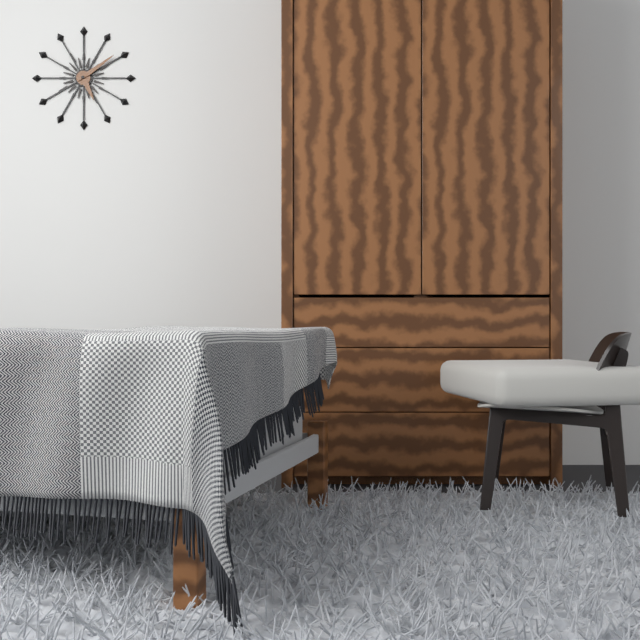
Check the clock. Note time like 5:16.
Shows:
5:09
